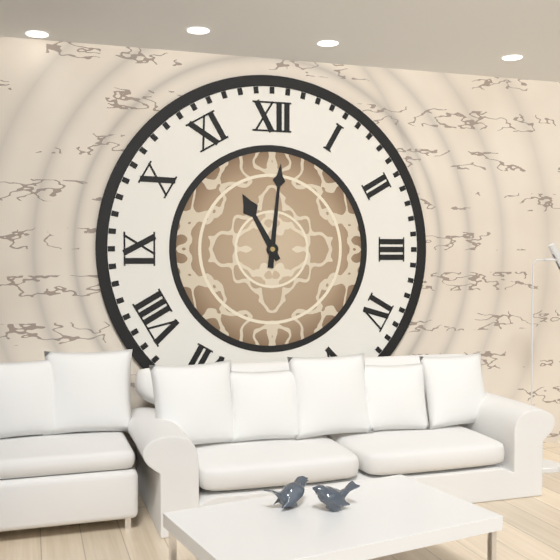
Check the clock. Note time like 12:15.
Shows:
11:01
